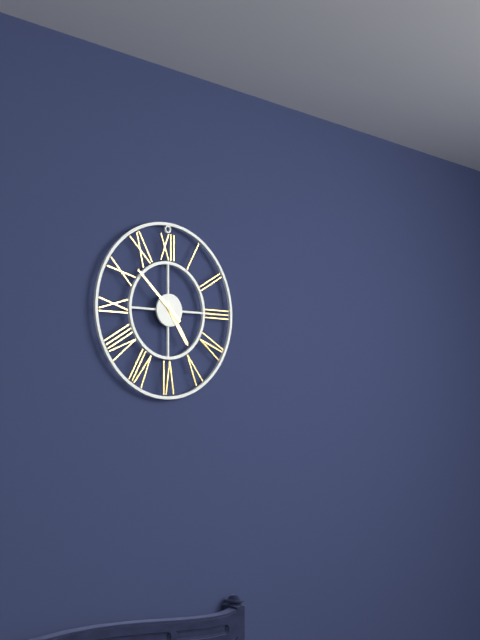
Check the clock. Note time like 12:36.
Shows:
4:52
